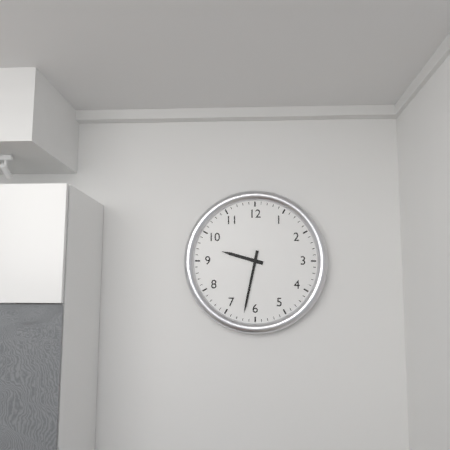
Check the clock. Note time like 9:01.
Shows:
9:32
